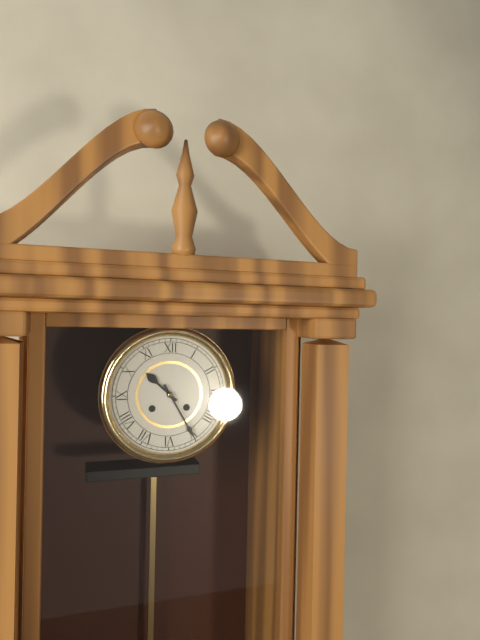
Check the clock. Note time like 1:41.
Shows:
10:25
